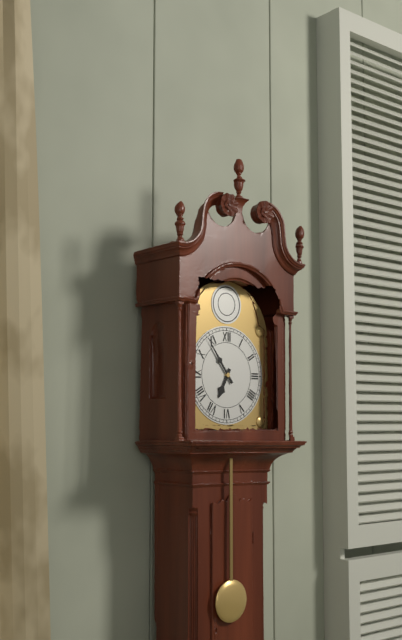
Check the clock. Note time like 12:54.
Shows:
6:54
